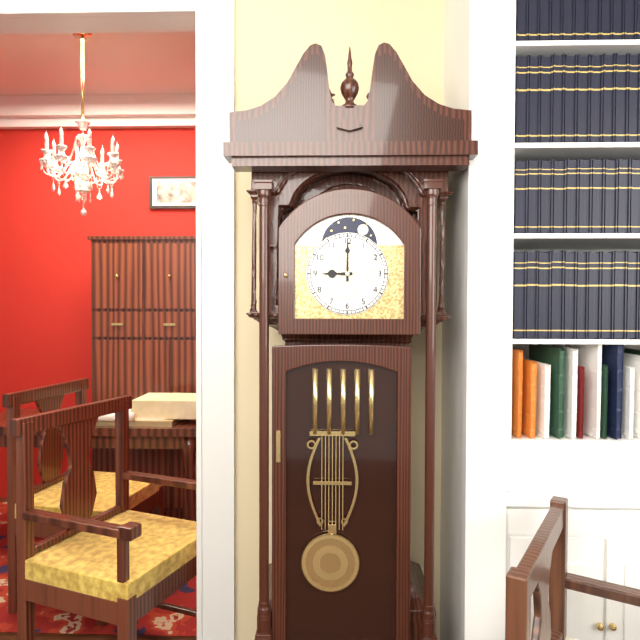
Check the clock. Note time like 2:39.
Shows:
9:00
